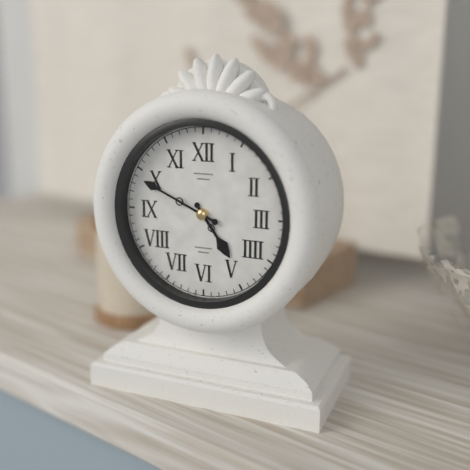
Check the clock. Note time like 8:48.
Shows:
4:49
